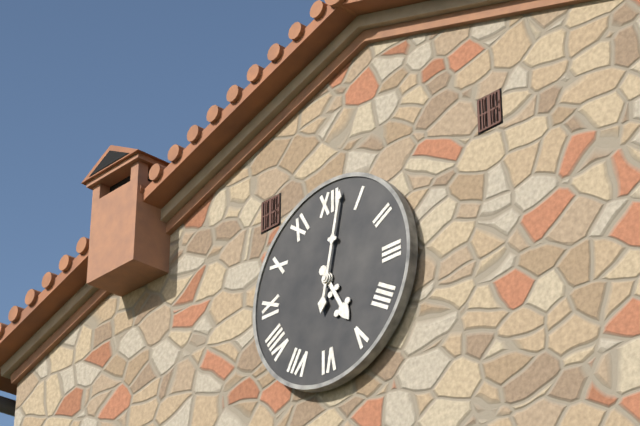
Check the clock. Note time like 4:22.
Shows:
5:02
